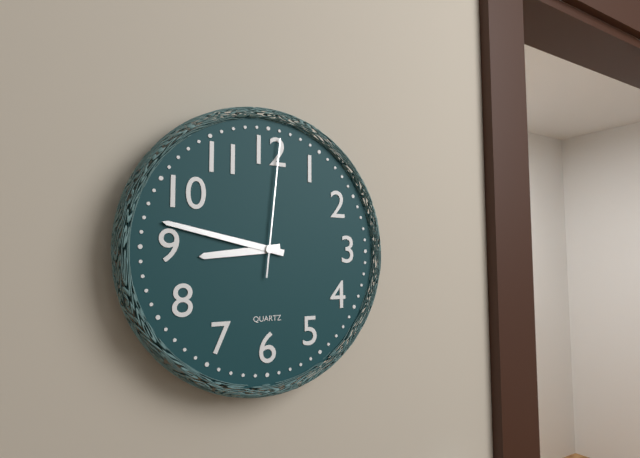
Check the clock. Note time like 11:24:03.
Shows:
8:47:01
